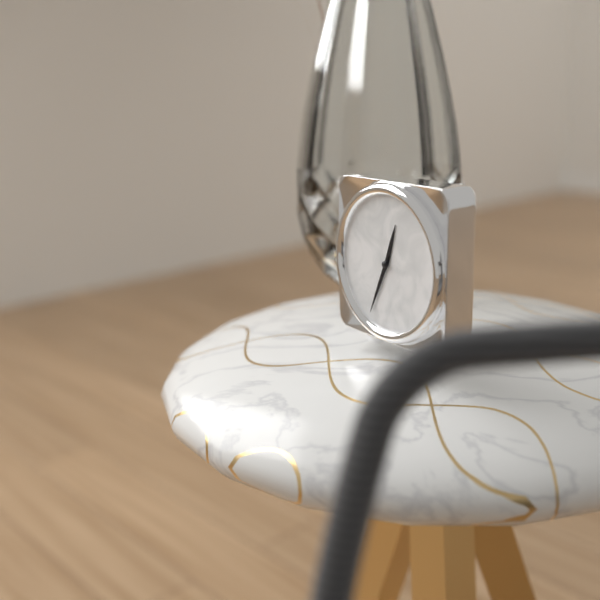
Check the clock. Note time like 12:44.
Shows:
12:34
